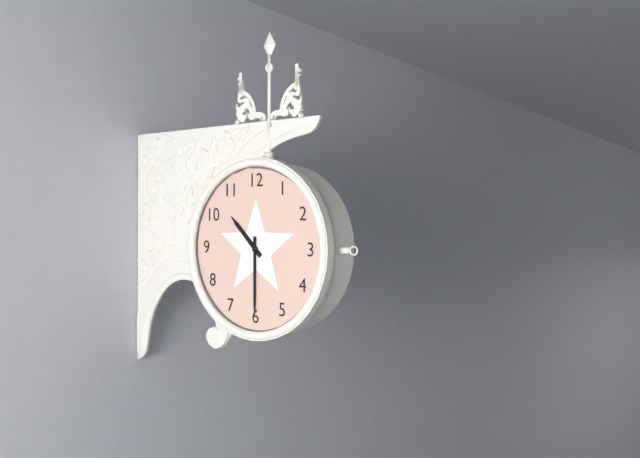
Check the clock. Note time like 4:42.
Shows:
10:30
